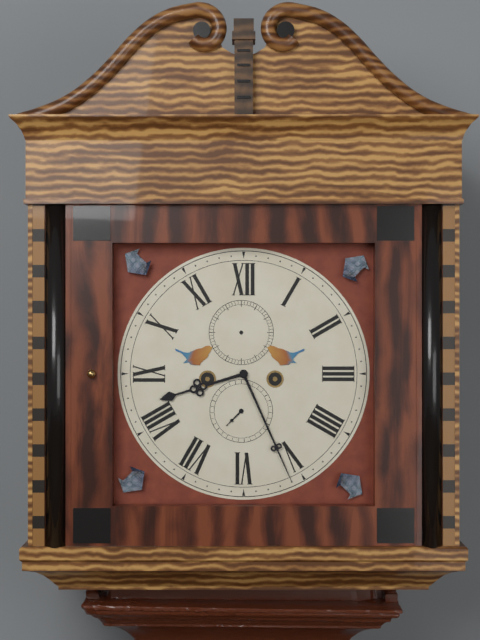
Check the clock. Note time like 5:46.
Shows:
8:26
